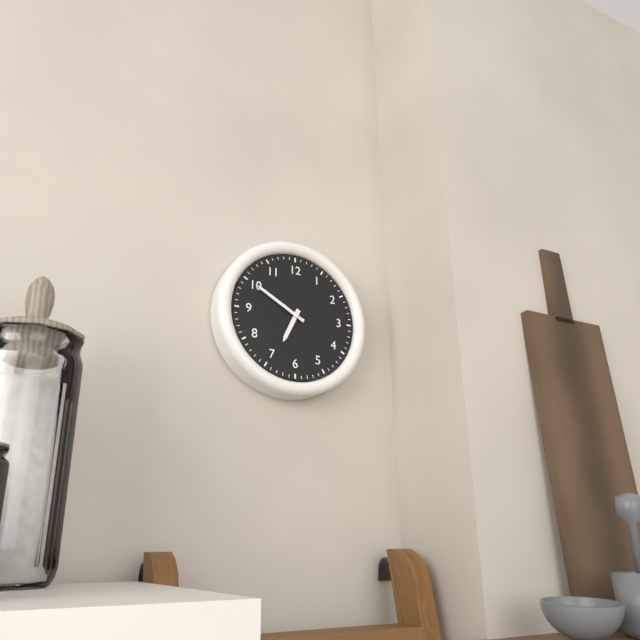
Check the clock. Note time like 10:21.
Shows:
6:50
